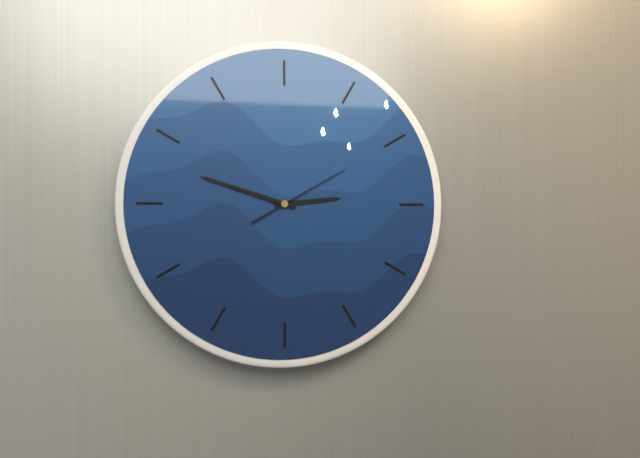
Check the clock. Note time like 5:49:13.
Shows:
2:48:10
